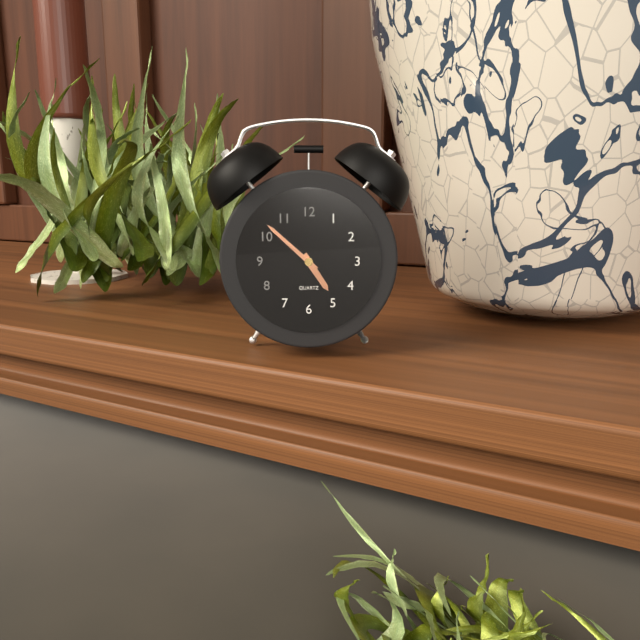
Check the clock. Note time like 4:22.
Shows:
4:52
